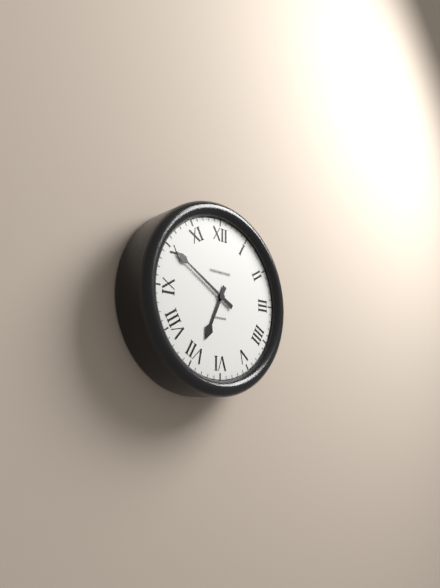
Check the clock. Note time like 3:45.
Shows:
6:50
